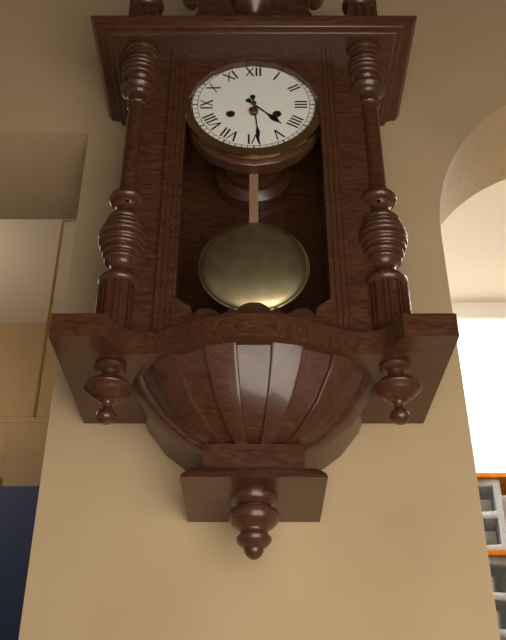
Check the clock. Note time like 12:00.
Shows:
4:29
